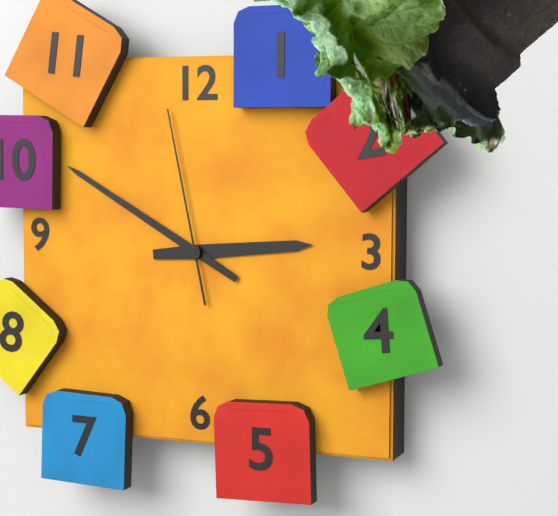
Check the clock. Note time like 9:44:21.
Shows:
2:50:58
